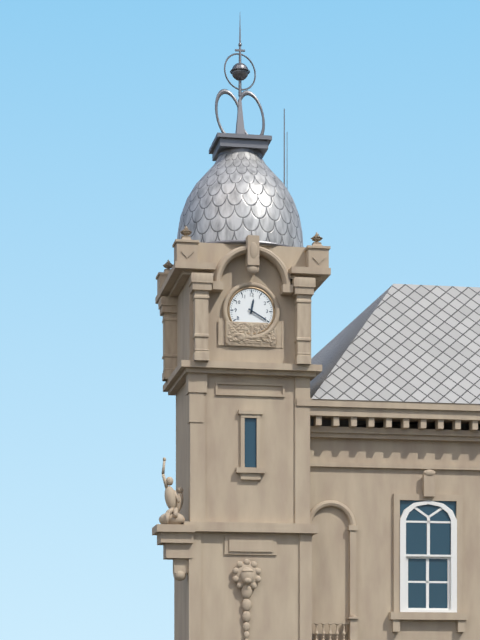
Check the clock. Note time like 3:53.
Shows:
12:20
